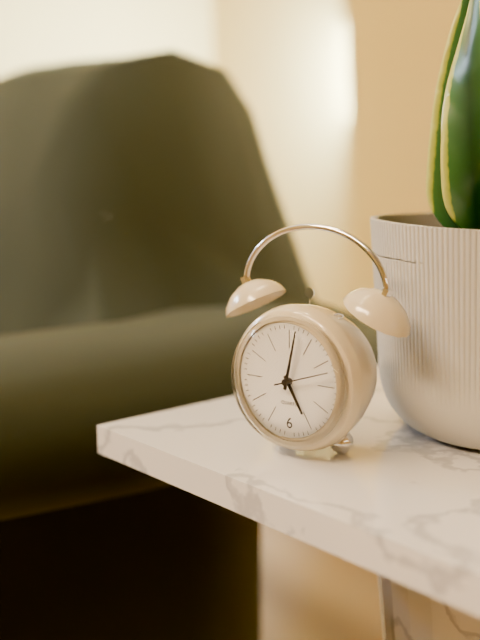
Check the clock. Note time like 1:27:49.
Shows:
5:02:12
